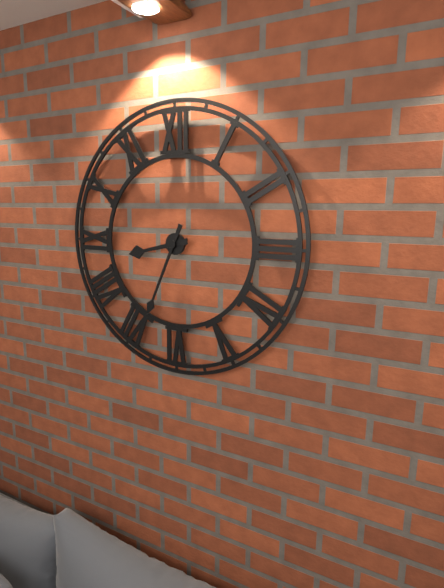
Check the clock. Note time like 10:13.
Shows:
8:34
